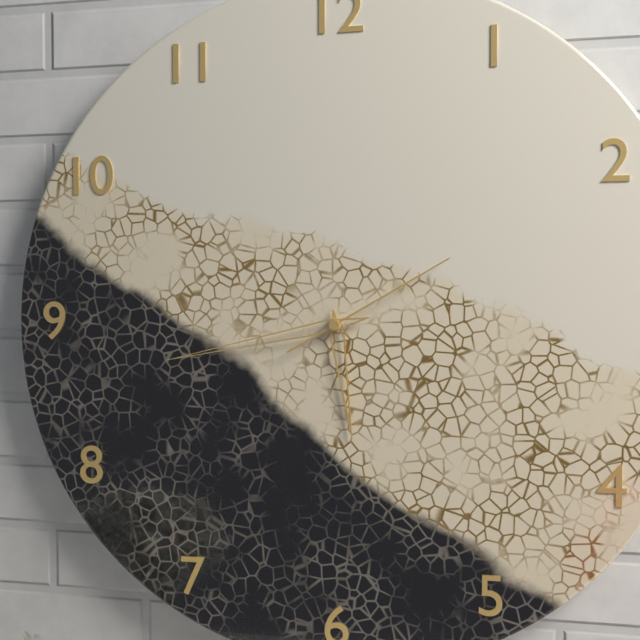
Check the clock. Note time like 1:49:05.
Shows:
5:43:10
